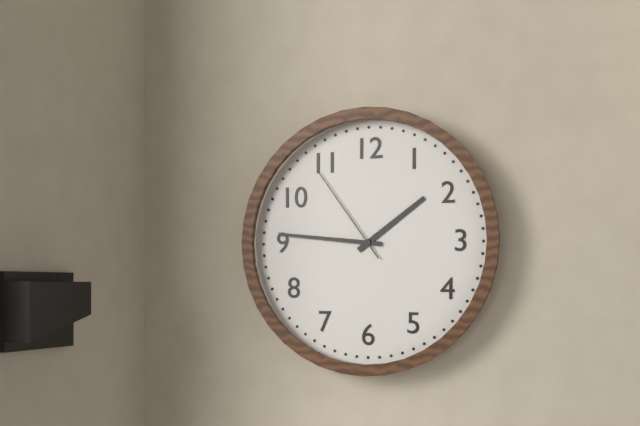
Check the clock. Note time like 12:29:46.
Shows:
1:46:54
